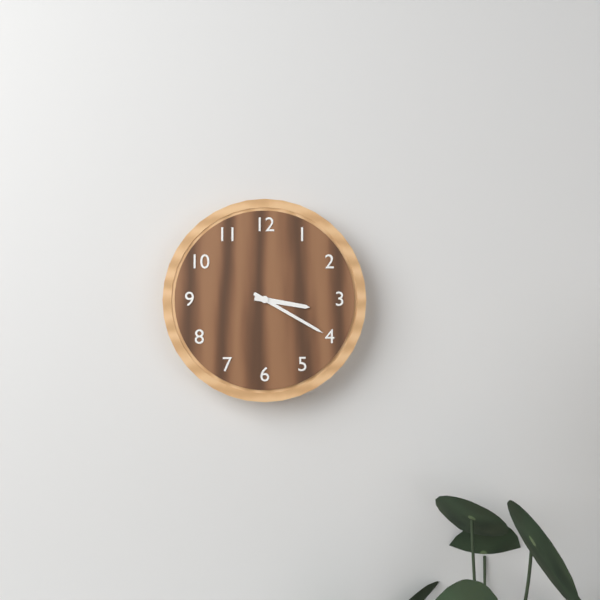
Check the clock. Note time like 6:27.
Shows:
3:20
